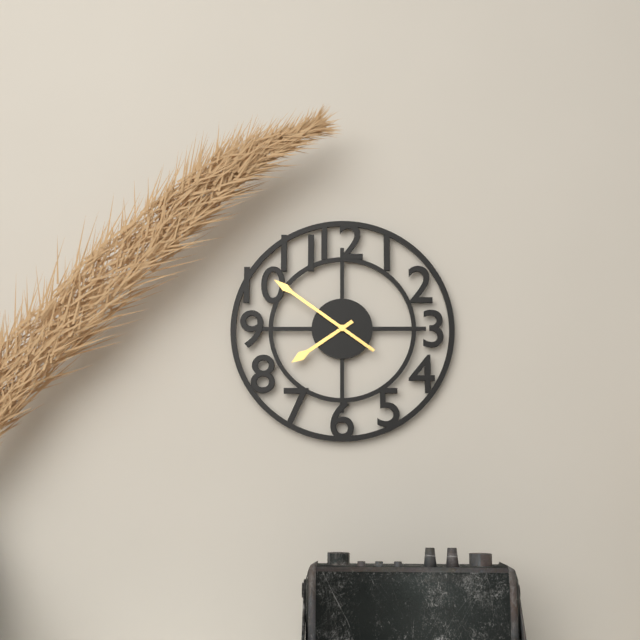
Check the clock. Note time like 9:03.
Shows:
7:51
